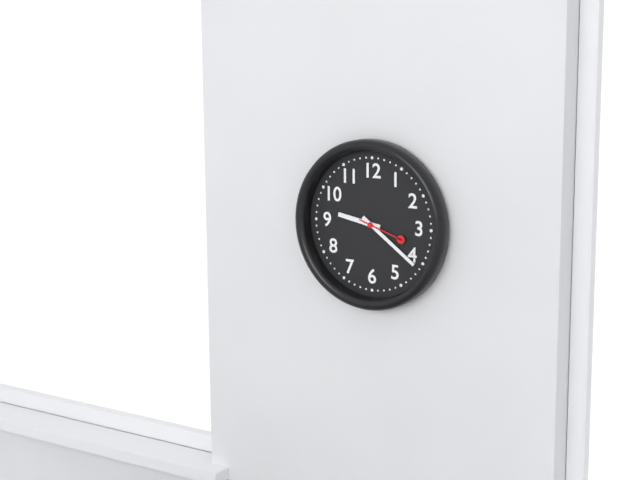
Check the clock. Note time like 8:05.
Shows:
9:21
